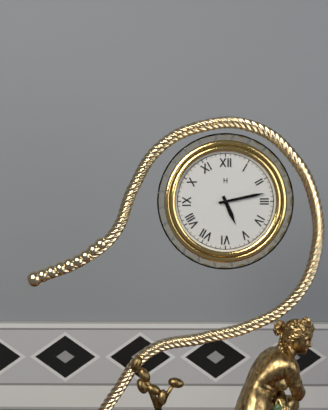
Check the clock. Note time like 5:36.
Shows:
5:13
